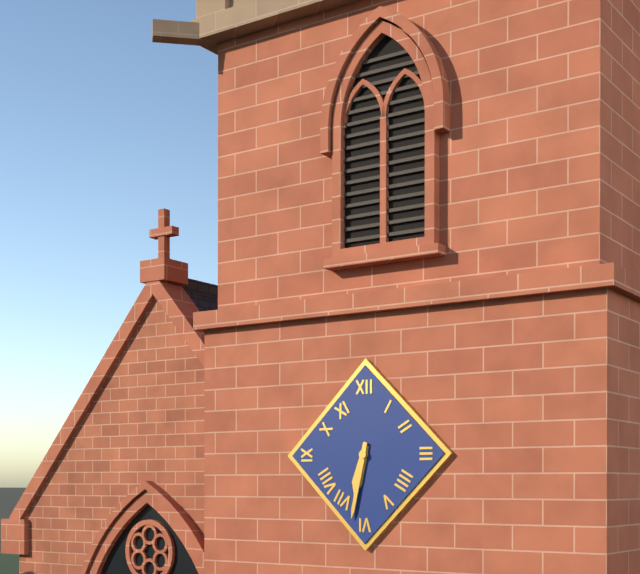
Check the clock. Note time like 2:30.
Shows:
6:32
